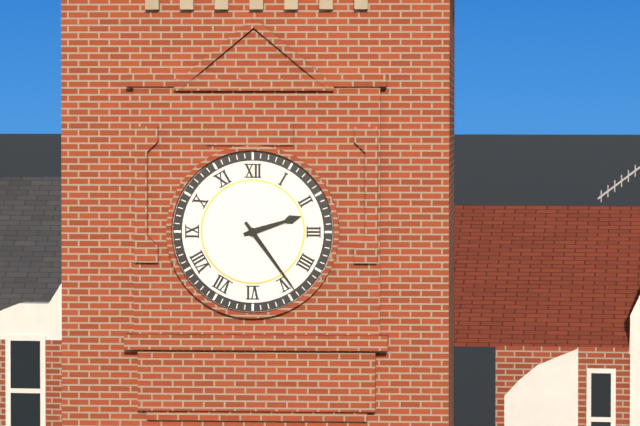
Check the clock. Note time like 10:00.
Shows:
2:24
